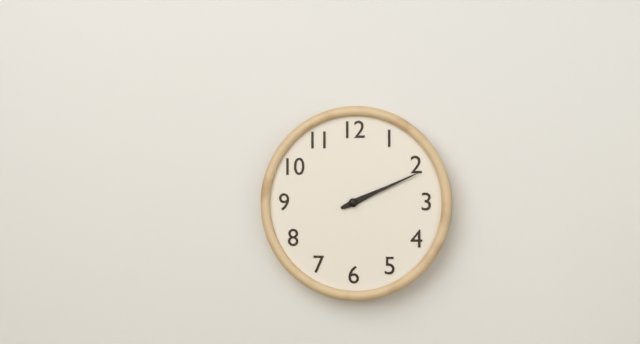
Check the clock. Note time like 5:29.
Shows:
2:11
